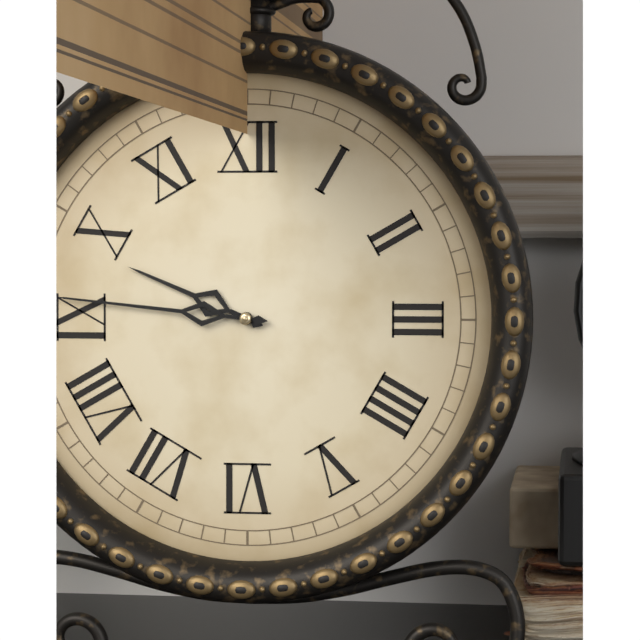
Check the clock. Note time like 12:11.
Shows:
9:46
